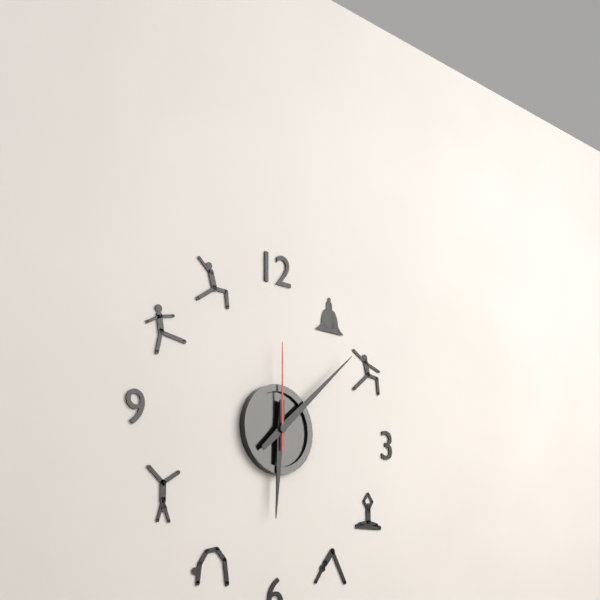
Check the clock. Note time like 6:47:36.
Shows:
6:08:00
